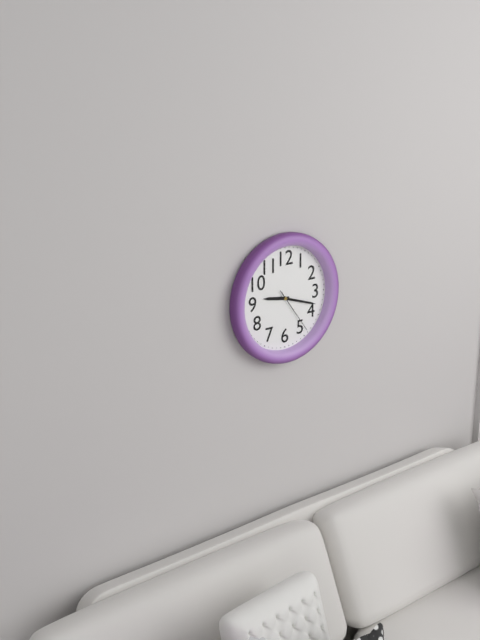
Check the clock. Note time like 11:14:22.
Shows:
9:18:24
